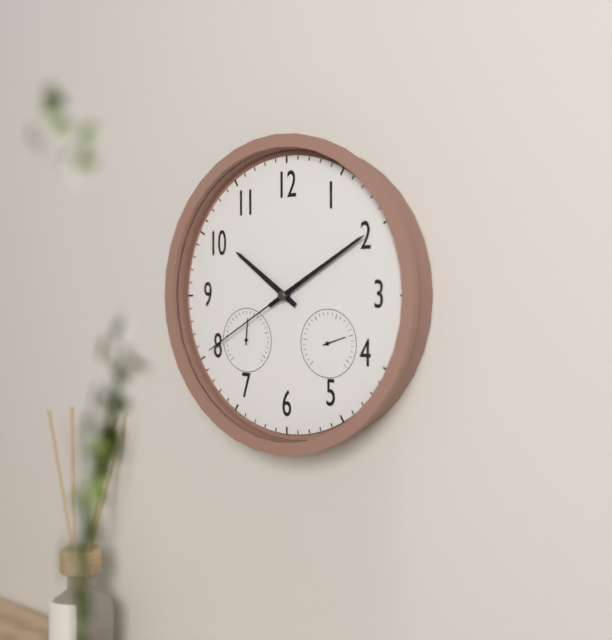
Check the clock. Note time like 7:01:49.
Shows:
10:10:40
